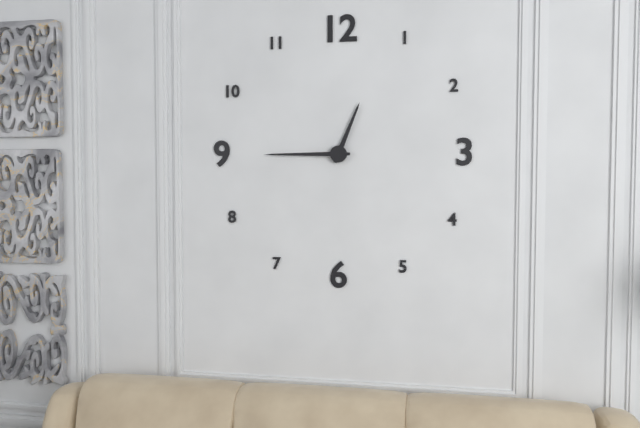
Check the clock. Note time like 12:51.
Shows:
12:45
